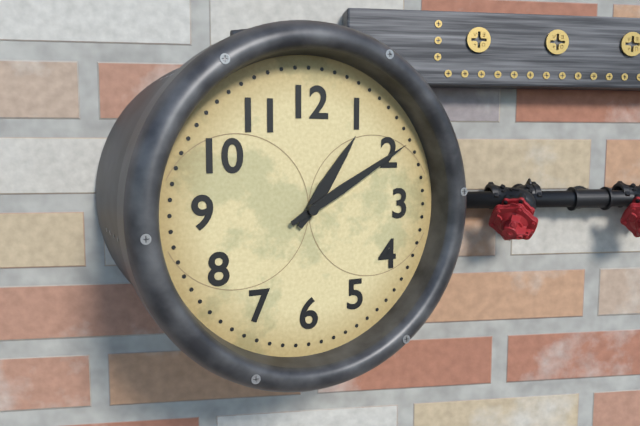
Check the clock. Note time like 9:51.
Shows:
1:10
